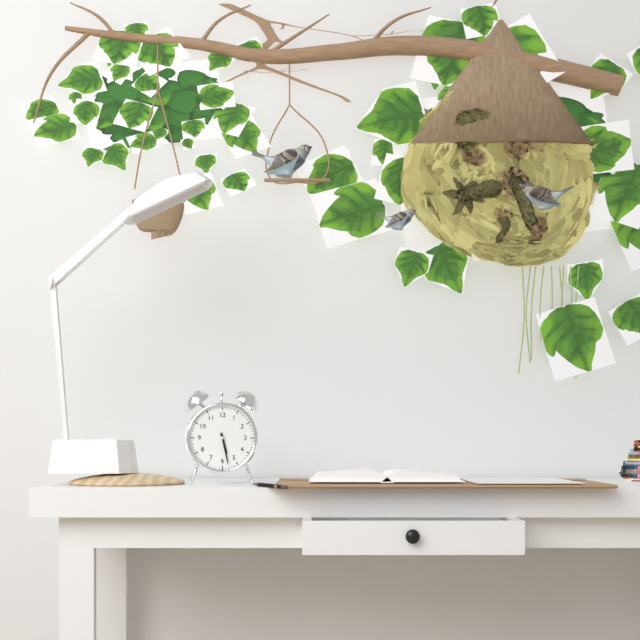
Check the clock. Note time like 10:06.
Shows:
5:28
